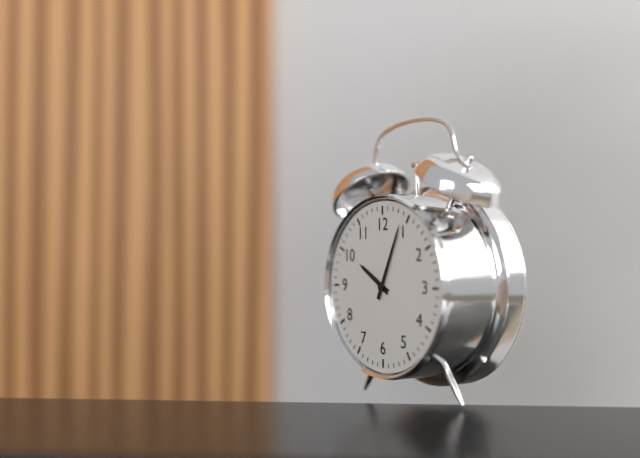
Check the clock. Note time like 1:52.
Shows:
10:04
